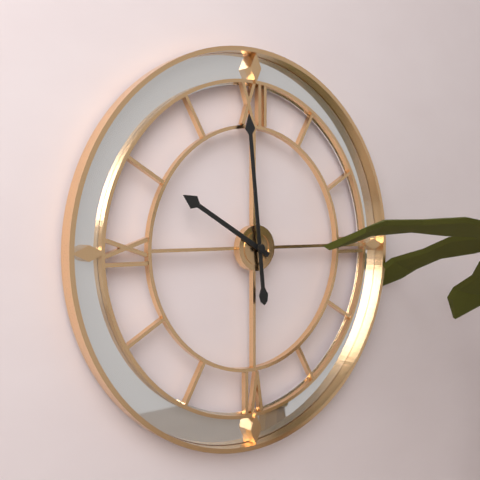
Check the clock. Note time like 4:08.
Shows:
9:59
